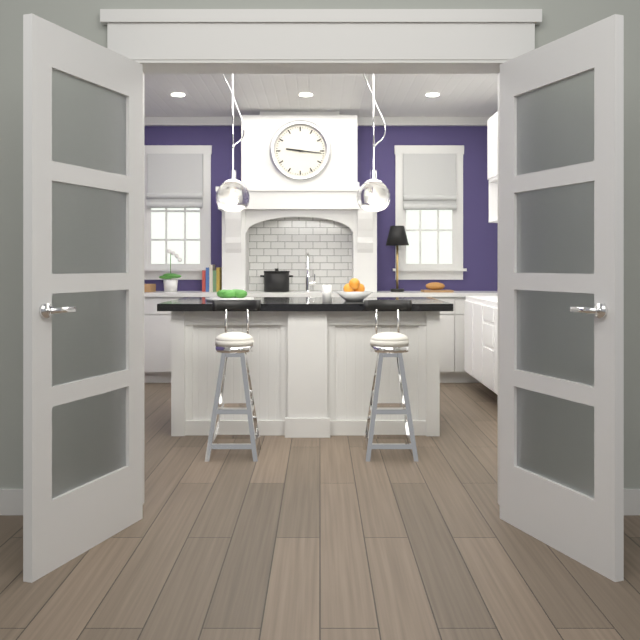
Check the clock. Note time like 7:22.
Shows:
9:16
